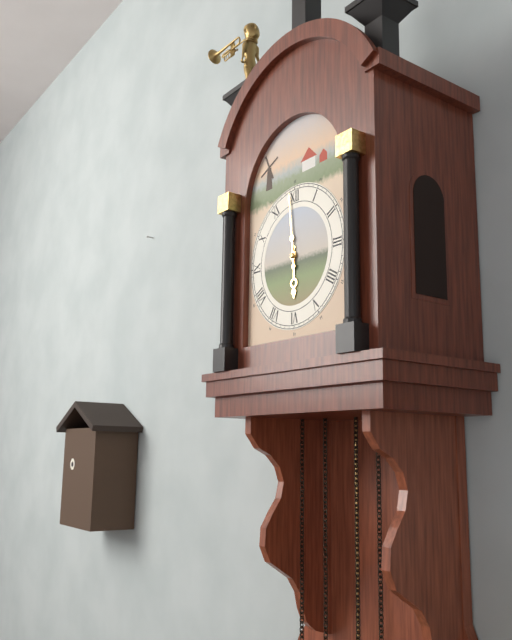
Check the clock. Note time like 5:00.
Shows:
5:59
